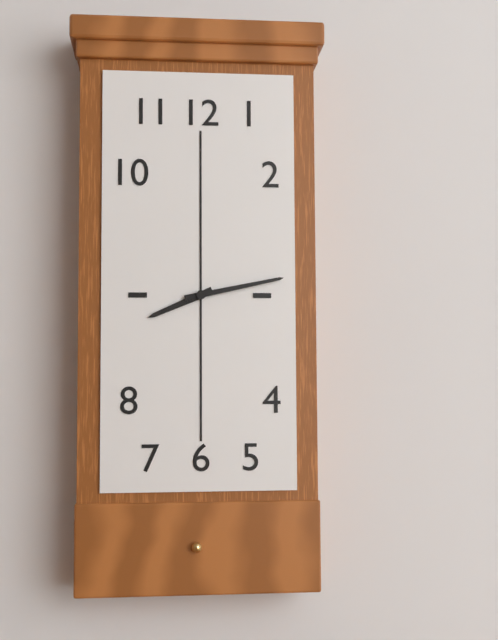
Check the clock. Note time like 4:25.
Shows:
8:13
